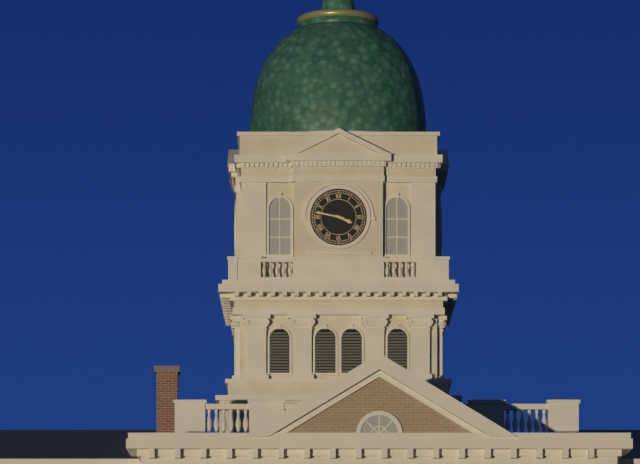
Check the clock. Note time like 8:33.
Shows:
3:47
